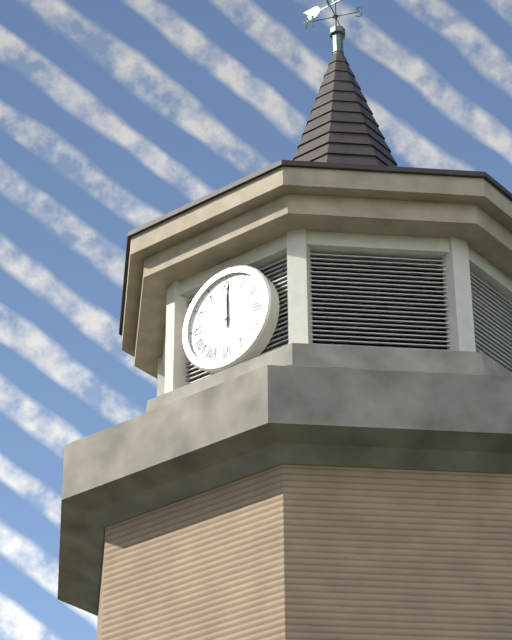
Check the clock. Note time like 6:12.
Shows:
12:00
